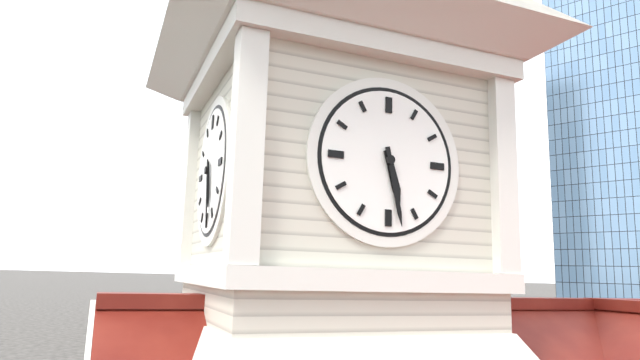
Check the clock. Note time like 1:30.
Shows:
5:28
